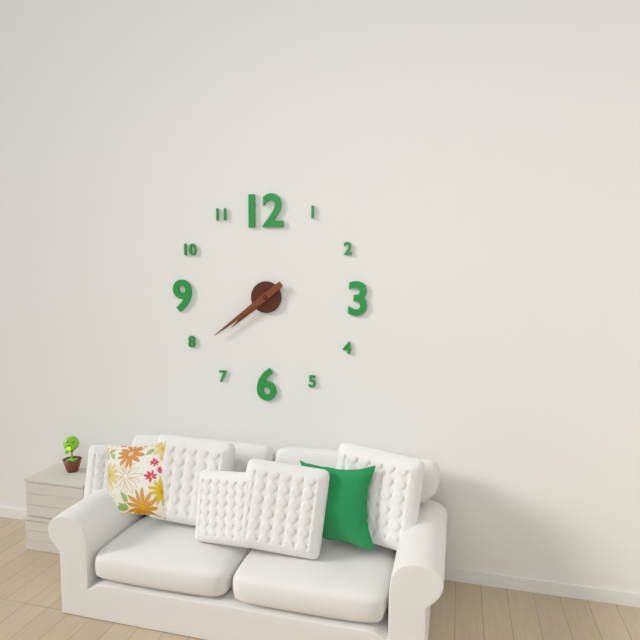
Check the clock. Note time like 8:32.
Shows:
7:39
